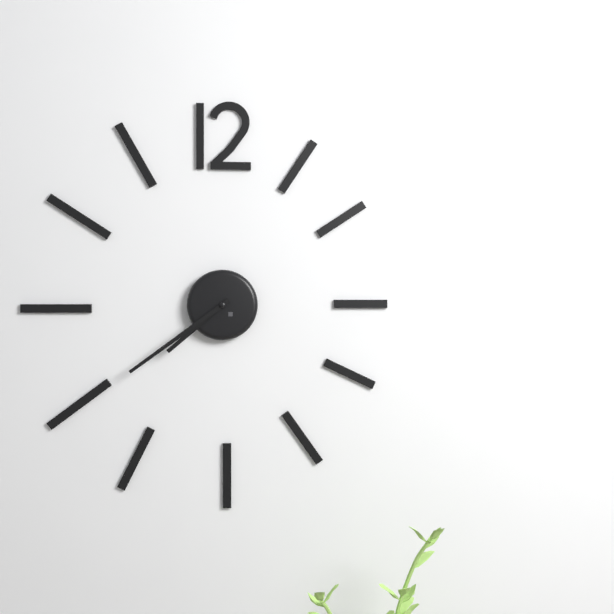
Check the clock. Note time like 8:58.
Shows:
7:39
